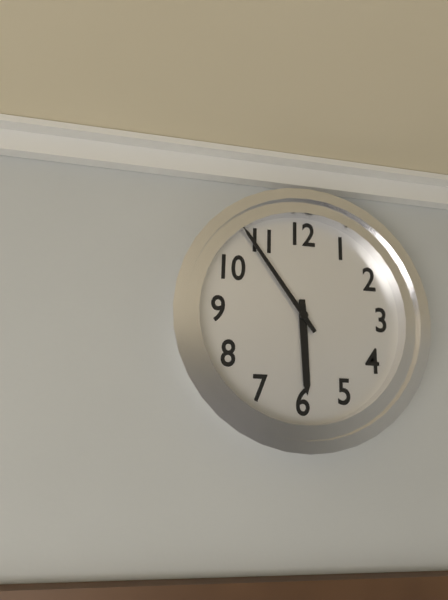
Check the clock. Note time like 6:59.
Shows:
5:54
